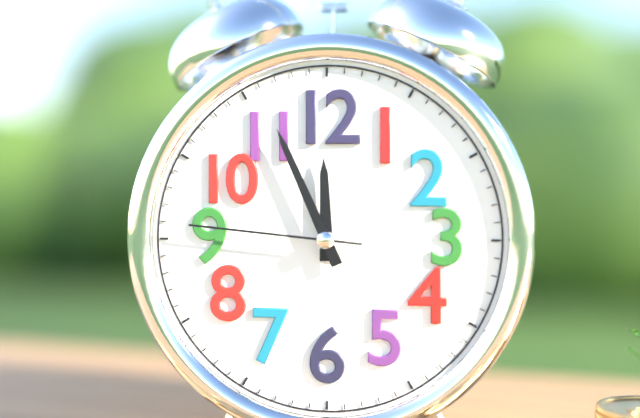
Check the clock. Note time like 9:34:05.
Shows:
11:56:46
